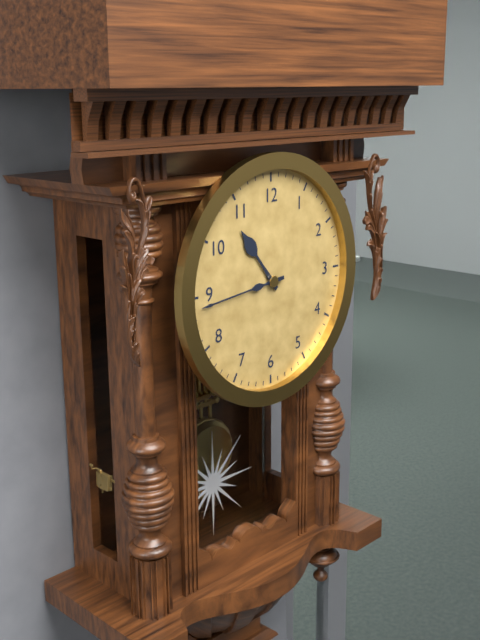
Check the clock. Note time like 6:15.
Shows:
10:44
